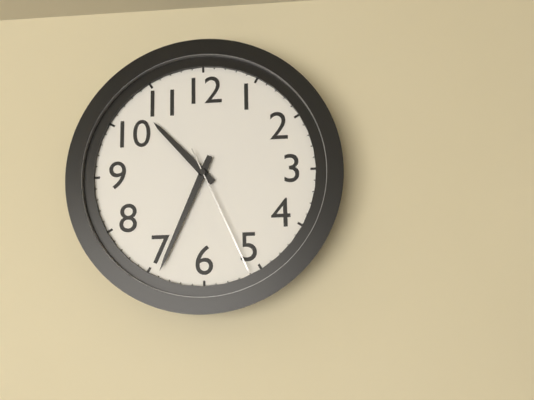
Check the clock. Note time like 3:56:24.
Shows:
10:34:26
